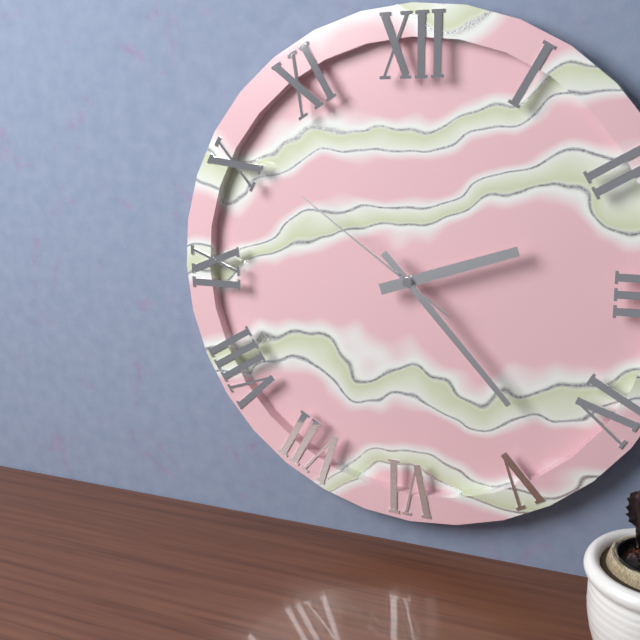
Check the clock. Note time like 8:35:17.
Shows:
2:23:51
